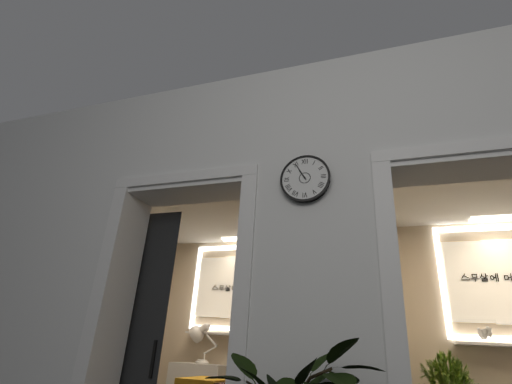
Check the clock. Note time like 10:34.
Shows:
10:55
